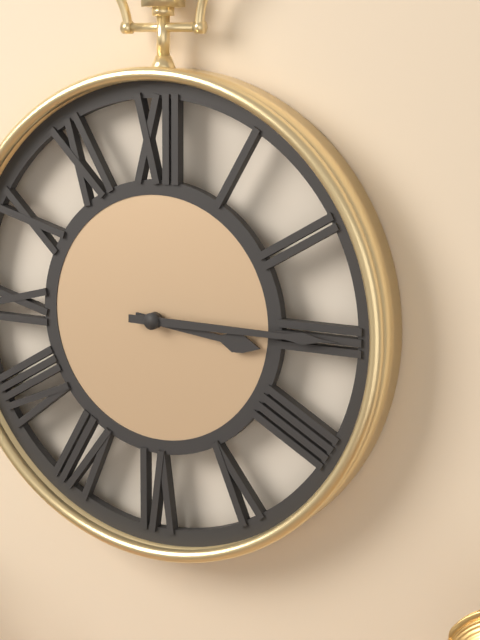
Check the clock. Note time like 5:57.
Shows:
3:15
